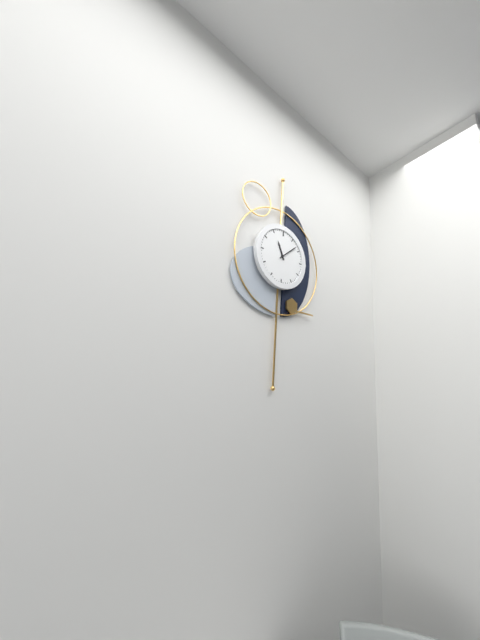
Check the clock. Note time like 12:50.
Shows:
11:08
